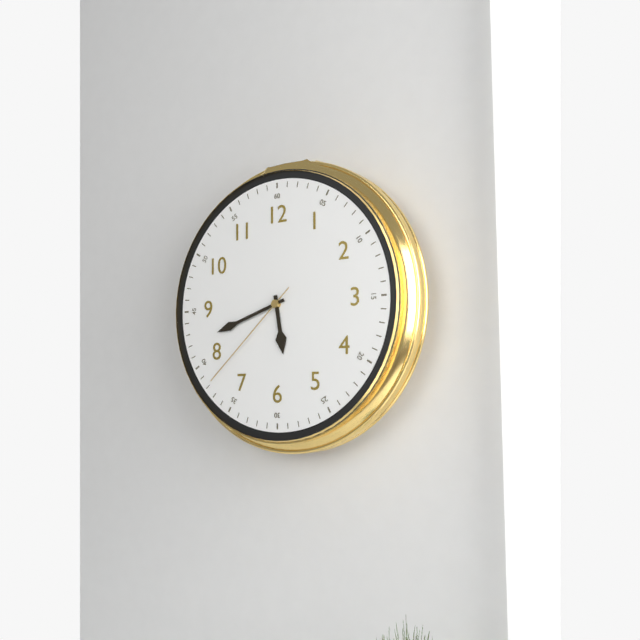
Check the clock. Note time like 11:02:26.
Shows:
5:42:38
